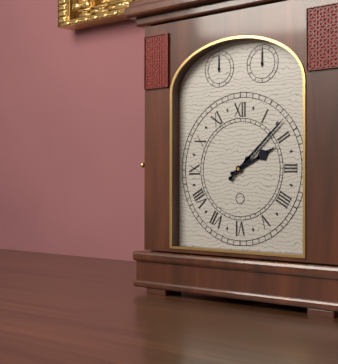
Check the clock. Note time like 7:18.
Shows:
2:08
